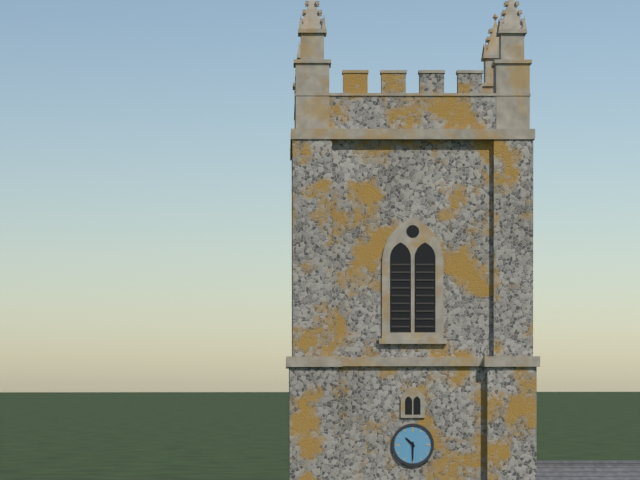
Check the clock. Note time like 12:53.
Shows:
10:30
